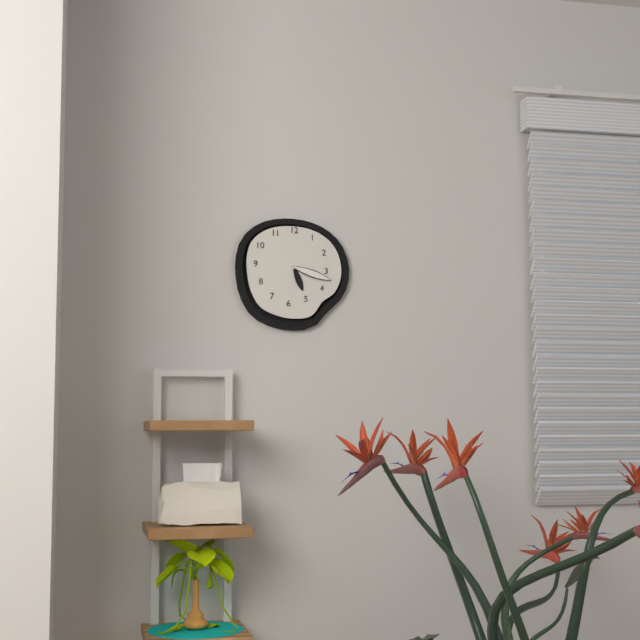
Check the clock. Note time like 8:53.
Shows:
5:18
